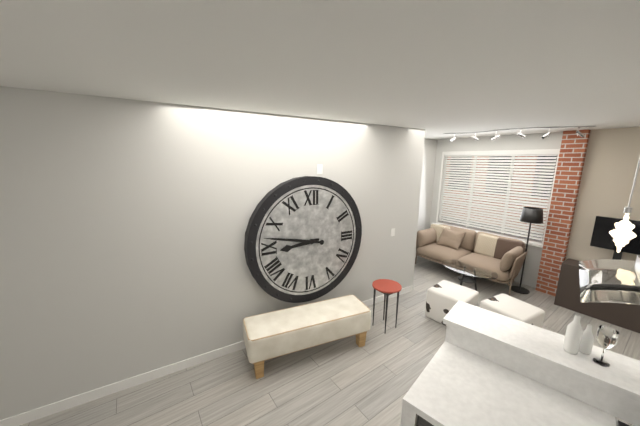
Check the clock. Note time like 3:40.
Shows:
8:47
